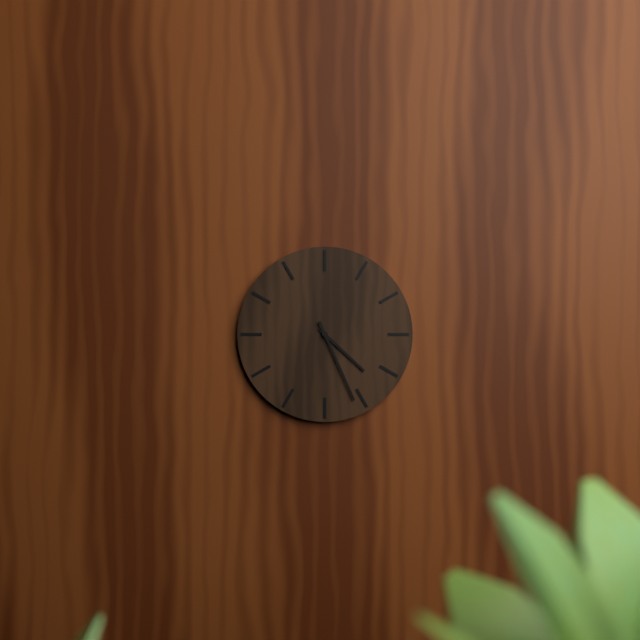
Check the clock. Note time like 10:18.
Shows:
4:26
